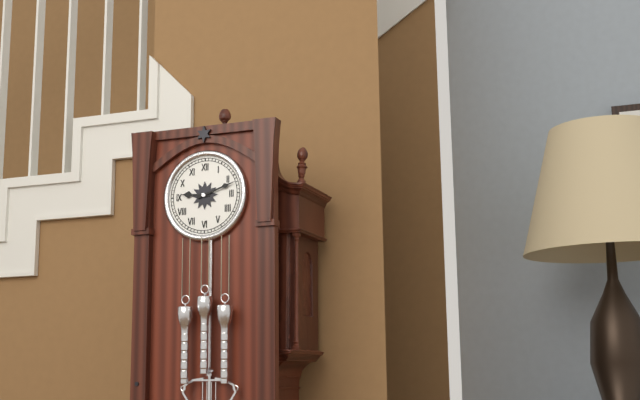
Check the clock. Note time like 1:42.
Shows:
9:12
